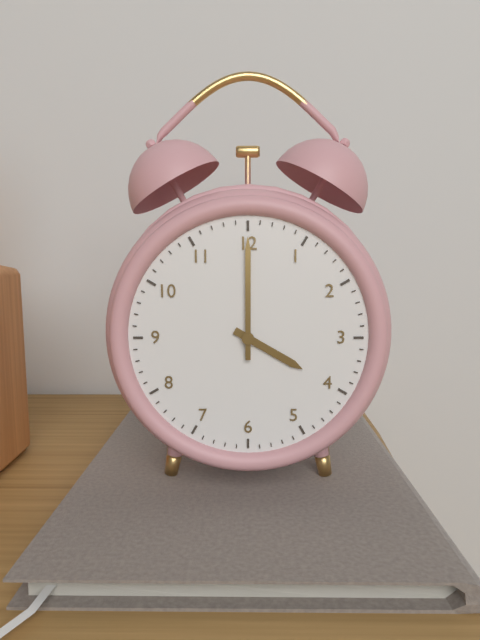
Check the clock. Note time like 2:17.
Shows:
4:00
